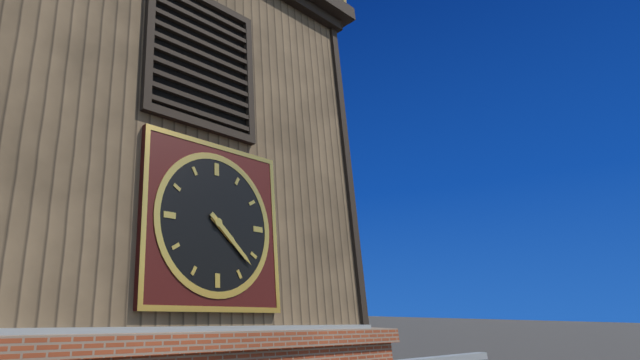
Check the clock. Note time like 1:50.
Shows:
4:22
